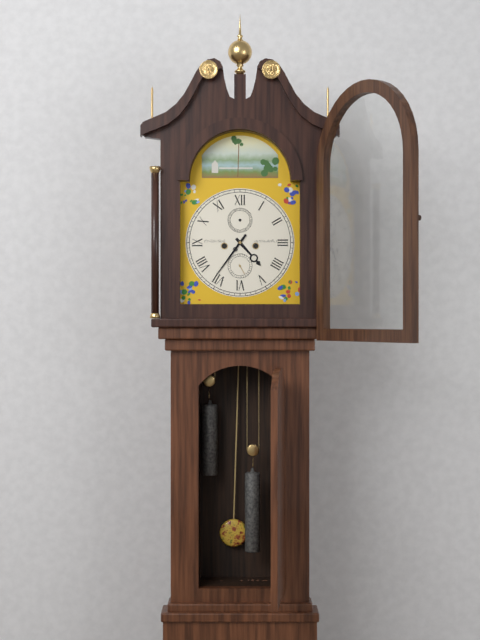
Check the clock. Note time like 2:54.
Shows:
4:36
